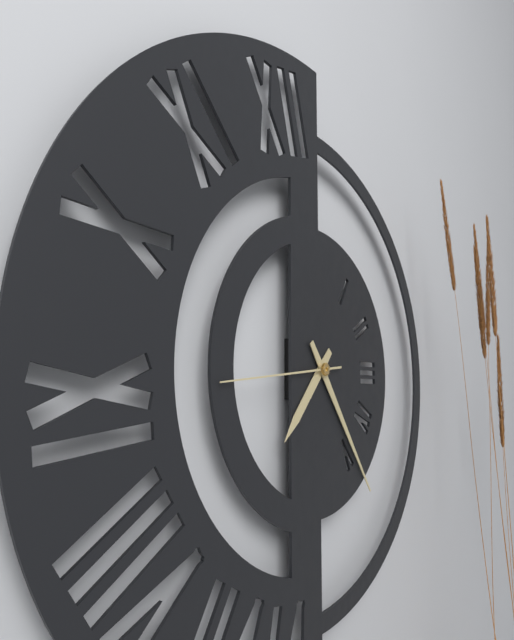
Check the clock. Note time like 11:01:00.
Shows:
7:24:44
